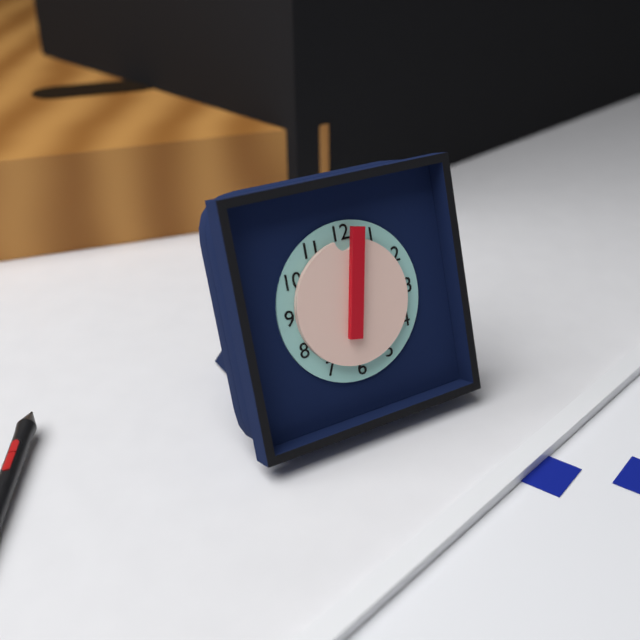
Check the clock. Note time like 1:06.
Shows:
12:02
